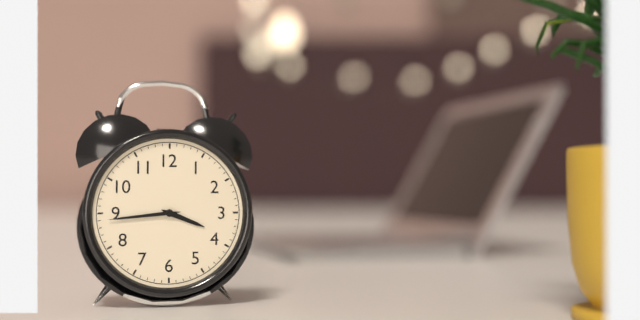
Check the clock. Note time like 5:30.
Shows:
3:44
